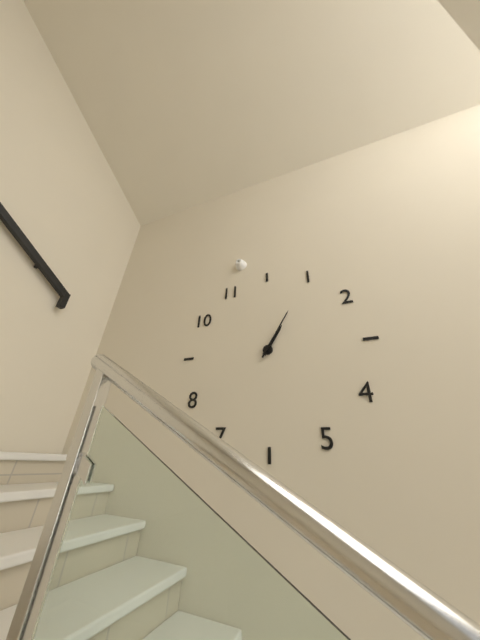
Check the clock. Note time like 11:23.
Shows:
1:05
